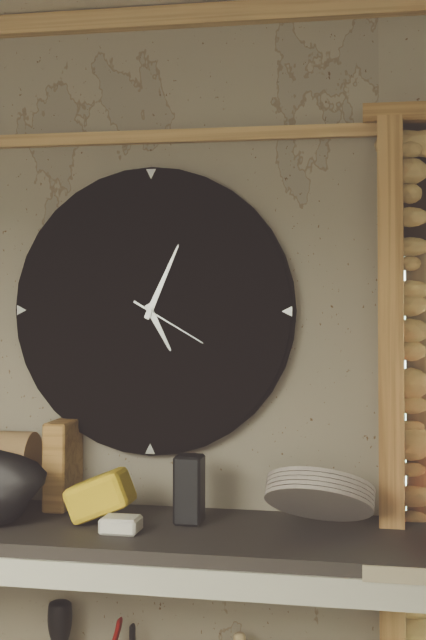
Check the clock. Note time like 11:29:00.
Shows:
5:04:20
